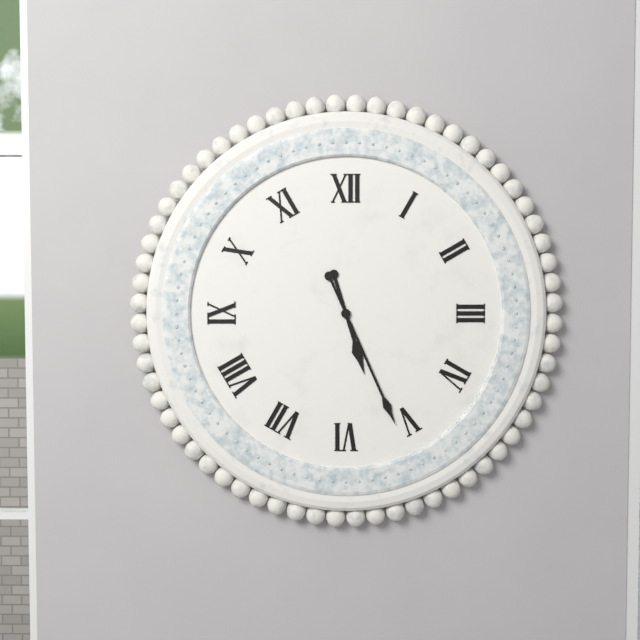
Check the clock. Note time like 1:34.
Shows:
5:26
